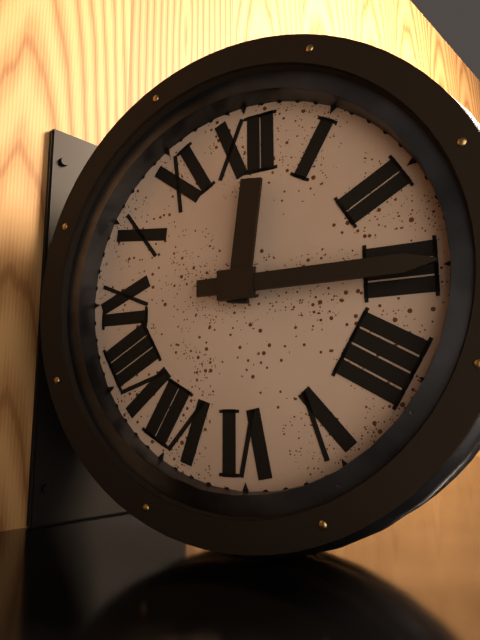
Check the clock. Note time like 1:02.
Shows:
12:15
